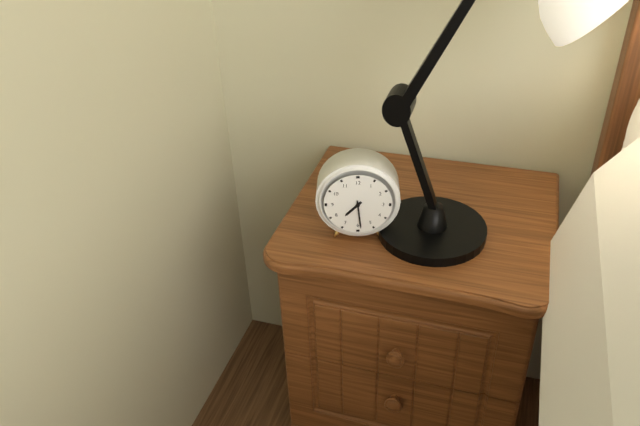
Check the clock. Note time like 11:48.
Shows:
7:29
